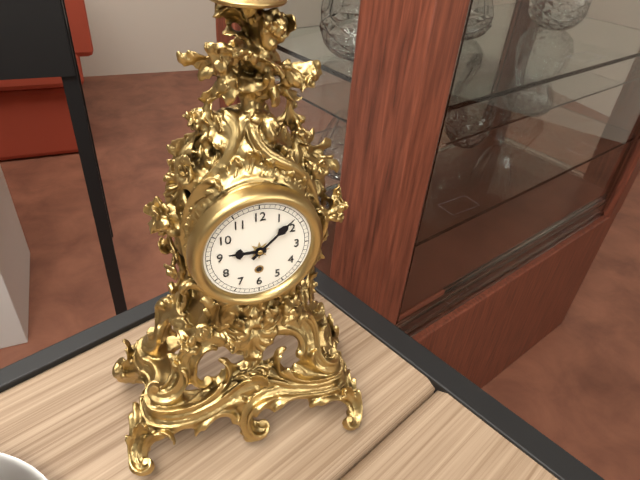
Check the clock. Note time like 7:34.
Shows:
9:08
